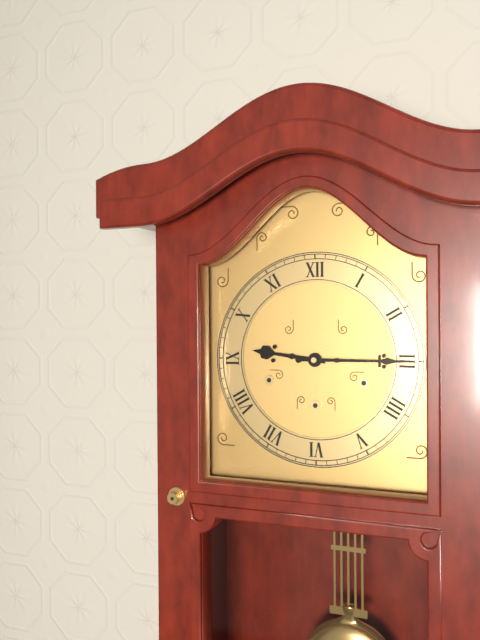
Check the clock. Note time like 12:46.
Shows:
9:15
